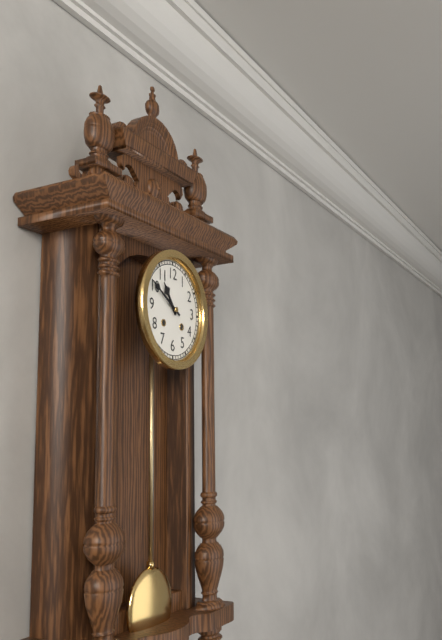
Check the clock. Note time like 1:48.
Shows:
10:50
